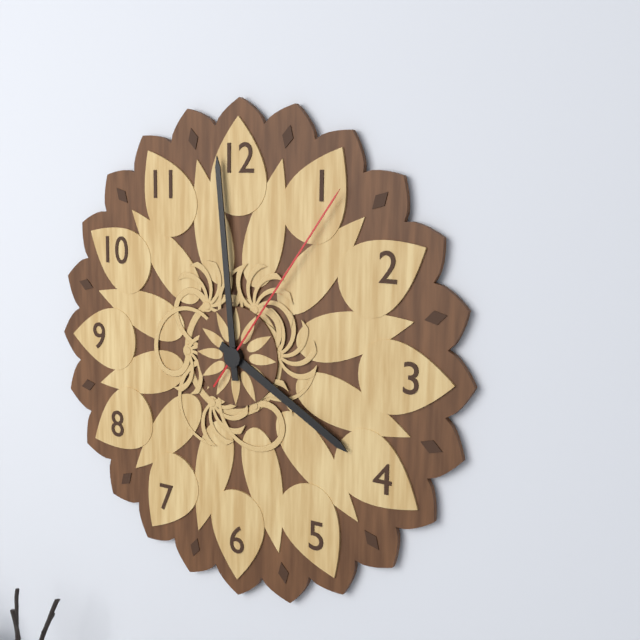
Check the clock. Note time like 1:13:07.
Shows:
3:59:06
